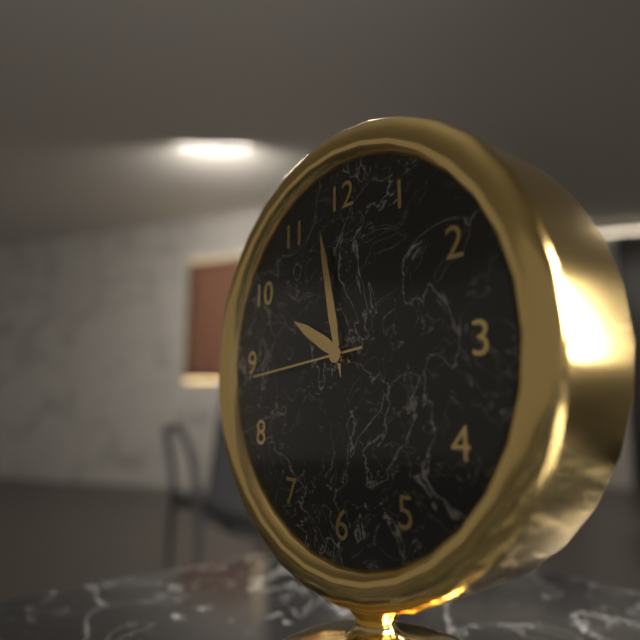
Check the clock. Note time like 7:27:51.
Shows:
9:58:44
